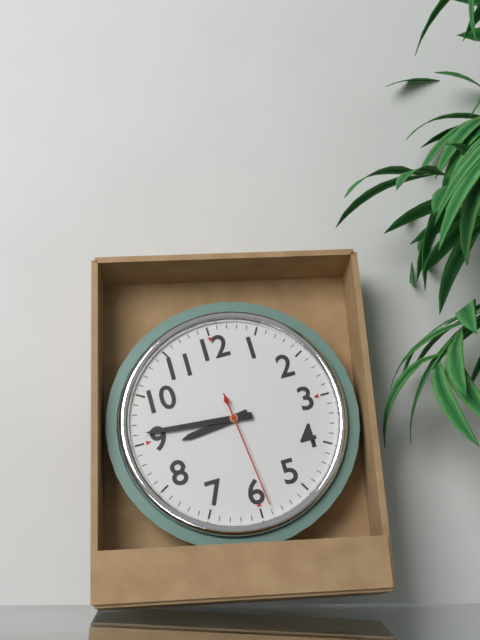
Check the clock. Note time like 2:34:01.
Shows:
8:46:29
